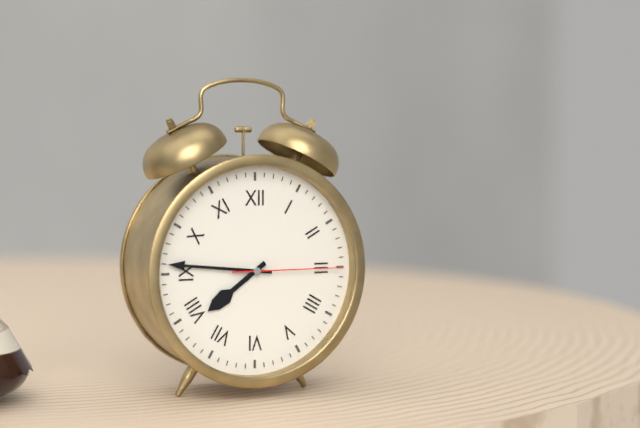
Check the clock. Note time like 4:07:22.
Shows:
7:46:15
